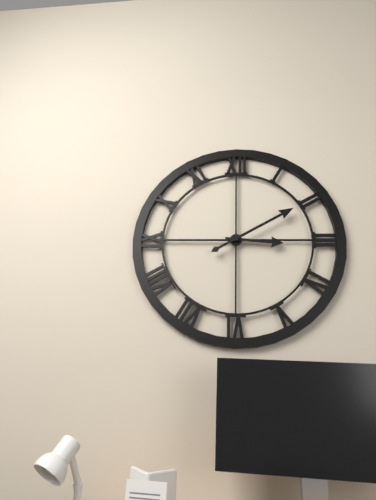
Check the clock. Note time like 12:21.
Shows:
3:10
